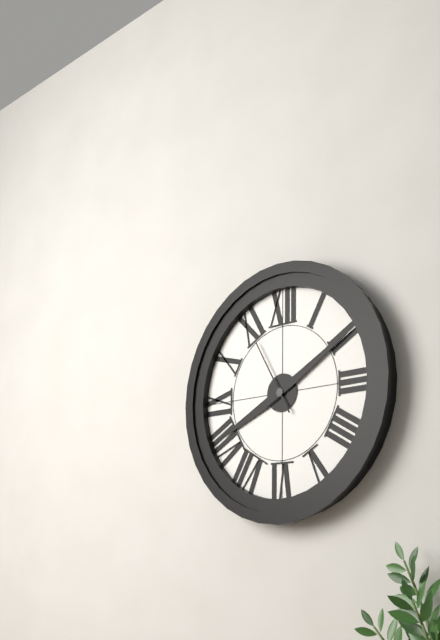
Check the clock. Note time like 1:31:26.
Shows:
8:10:55
